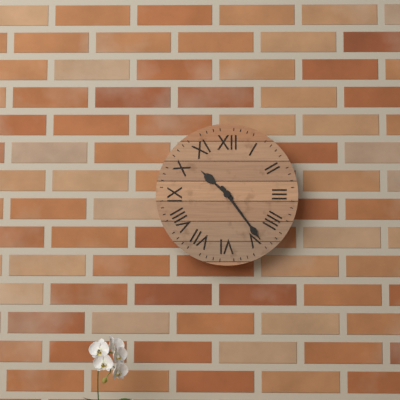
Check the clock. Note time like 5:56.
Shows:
10:24
